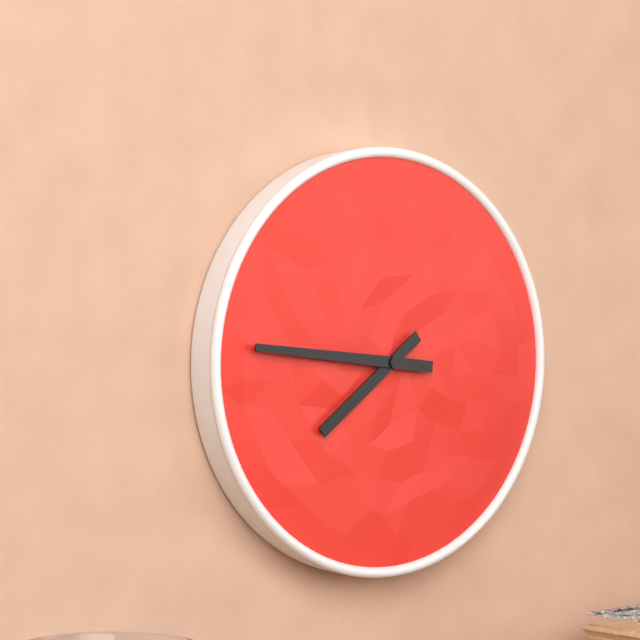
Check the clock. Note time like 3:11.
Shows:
7:46
